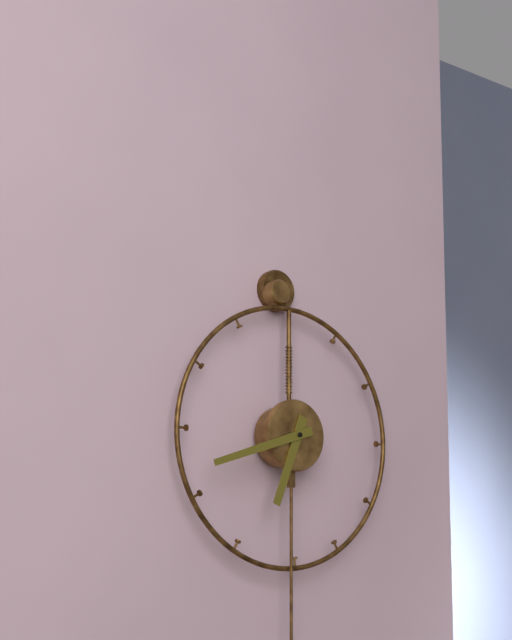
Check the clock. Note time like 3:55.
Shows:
6:42
